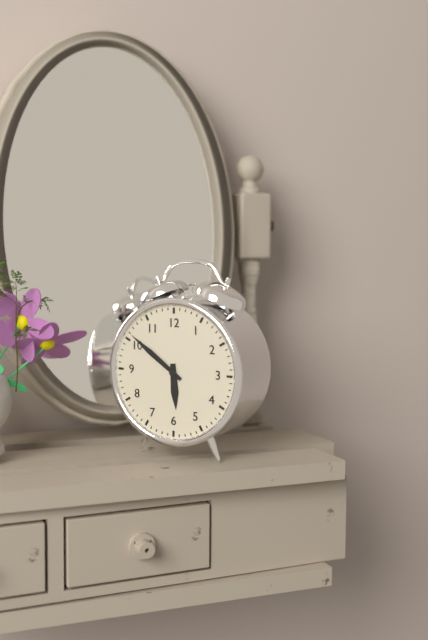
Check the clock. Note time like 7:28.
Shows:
5:51
